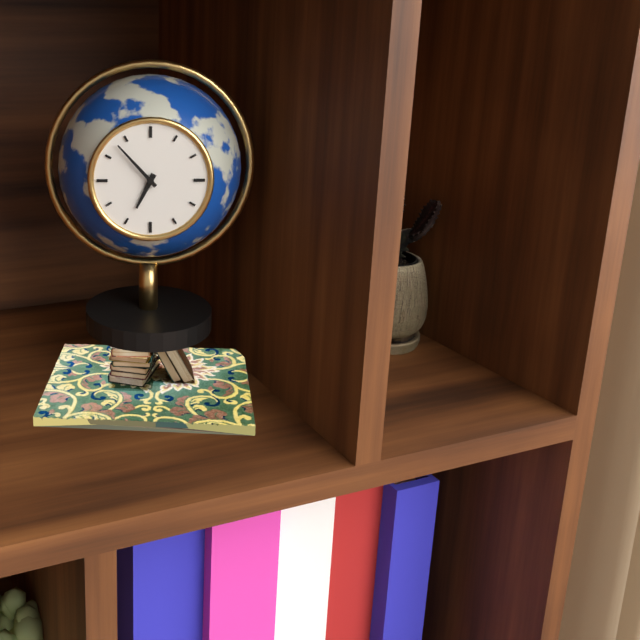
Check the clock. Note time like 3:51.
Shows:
6:53
